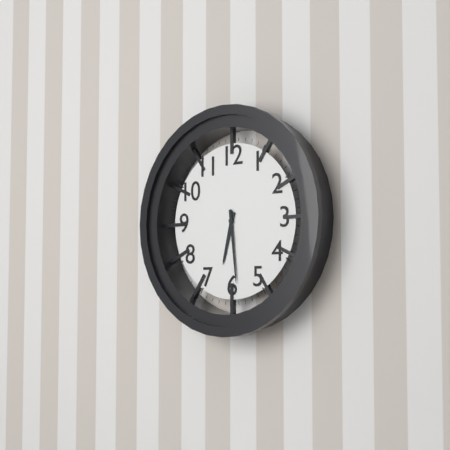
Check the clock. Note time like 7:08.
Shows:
6:29
